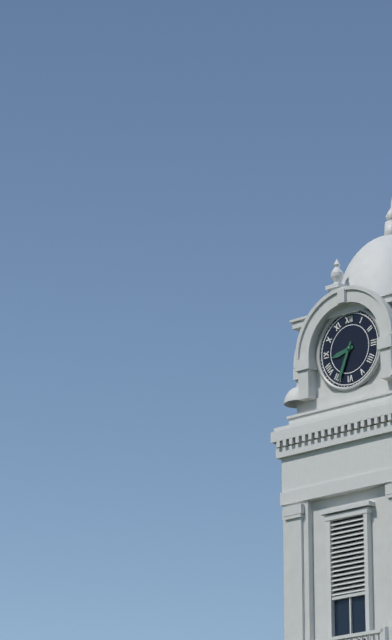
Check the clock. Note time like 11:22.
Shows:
8:34
